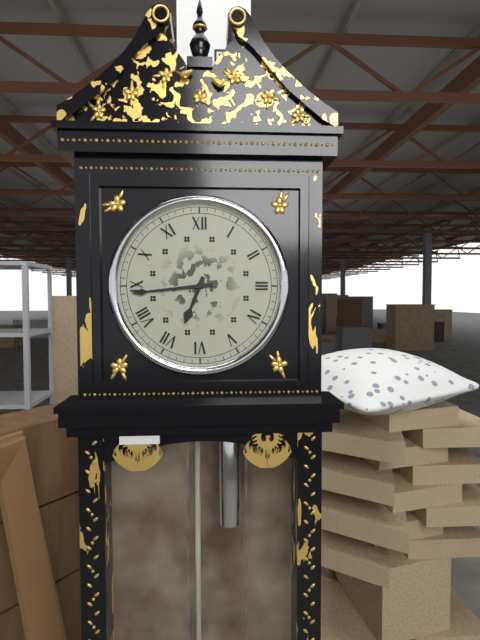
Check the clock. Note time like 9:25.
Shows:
6:44
